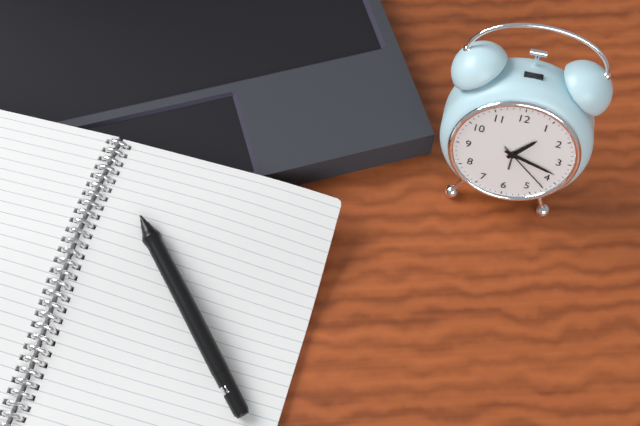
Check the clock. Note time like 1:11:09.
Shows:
1:18:22
